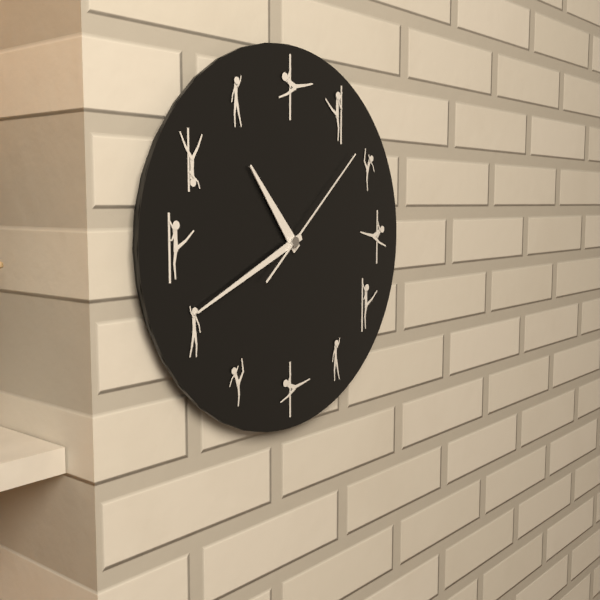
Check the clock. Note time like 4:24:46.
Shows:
10:41:08
